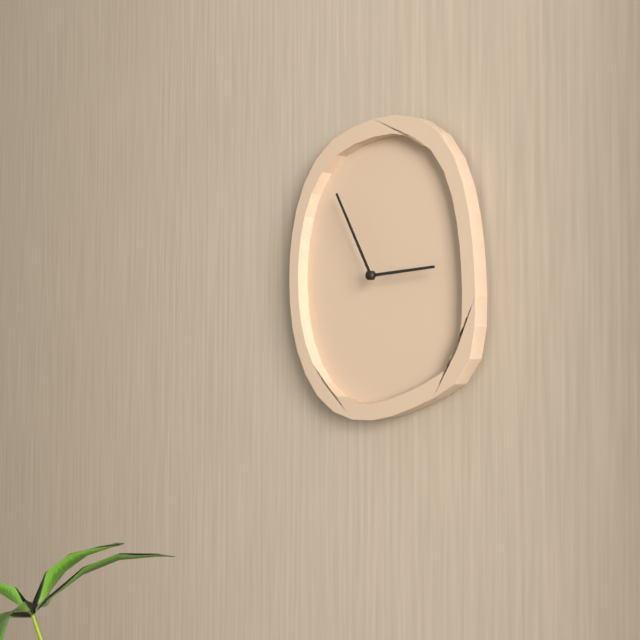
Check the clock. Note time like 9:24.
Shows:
2:55
